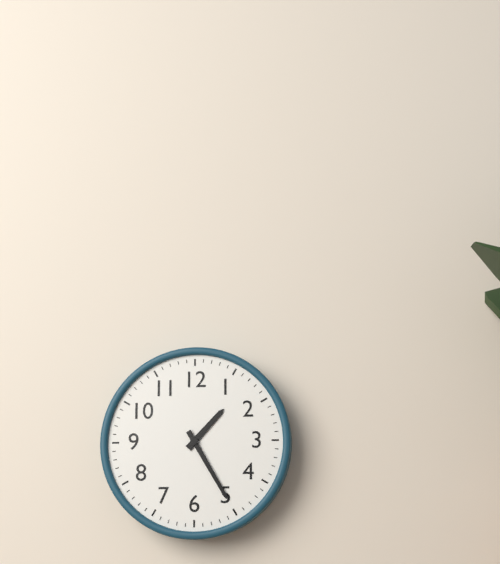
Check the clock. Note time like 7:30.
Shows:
1:25
